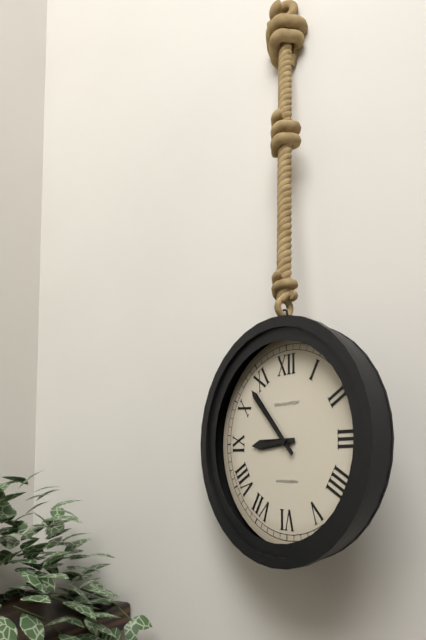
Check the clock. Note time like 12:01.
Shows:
8:53
